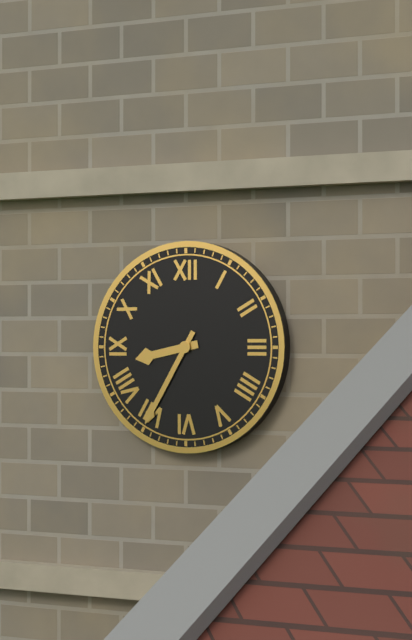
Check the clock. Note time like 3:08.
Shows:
8:35
